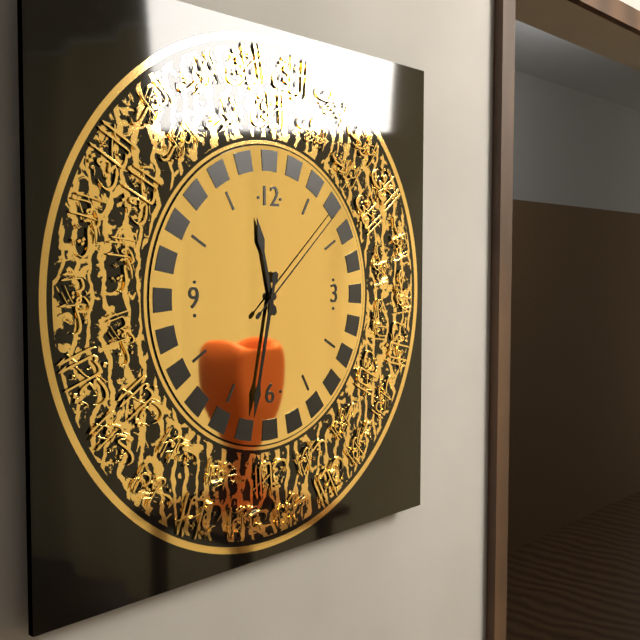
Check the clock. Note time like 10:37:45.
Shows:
11:32:08
